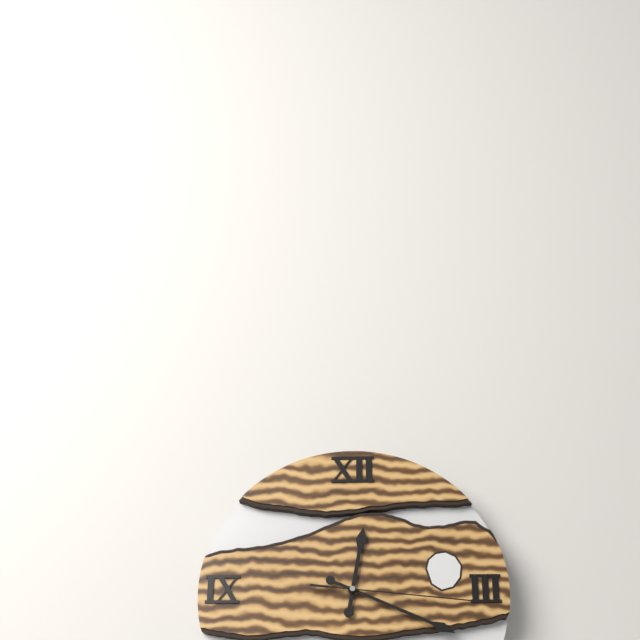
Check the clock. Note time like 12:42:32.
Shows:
12:19:16
